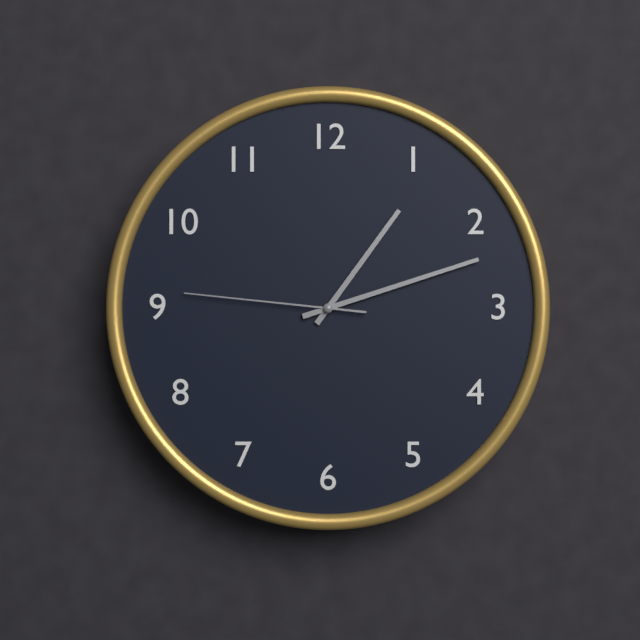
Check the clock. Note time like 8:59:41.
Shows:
1:12:46
